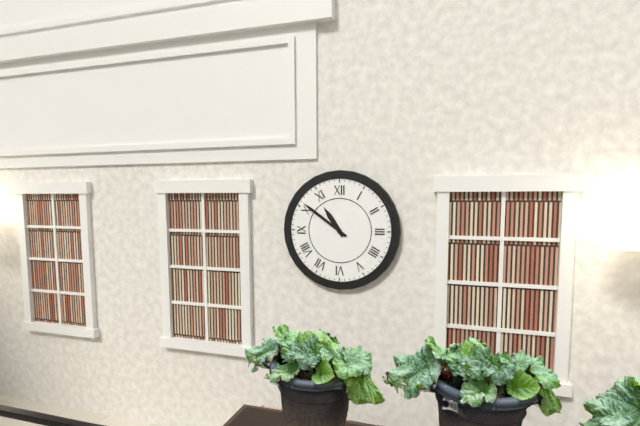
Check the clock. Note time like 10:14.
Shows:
10:51
